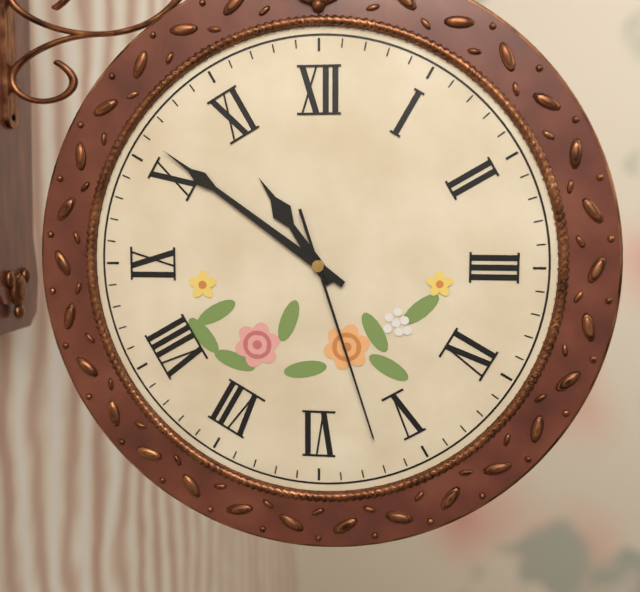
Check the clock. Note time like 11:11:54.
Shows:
10:51:27
